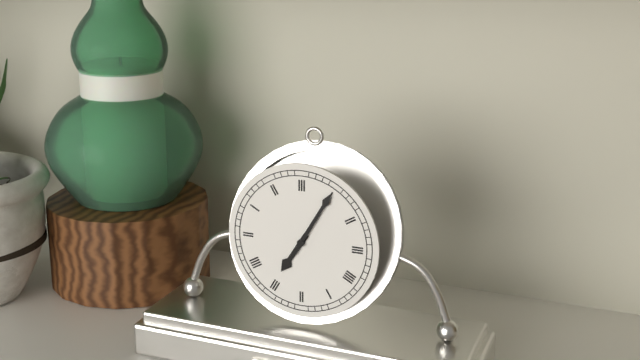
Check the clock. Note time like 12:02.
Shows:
7:05
